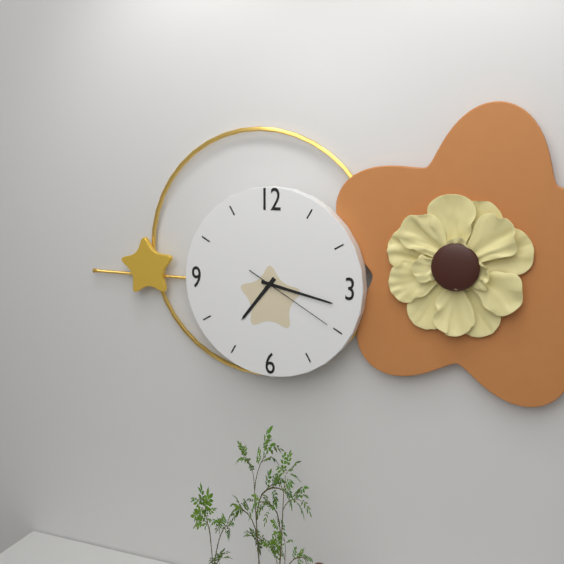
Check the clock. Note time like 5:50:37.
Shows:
7:17:20
